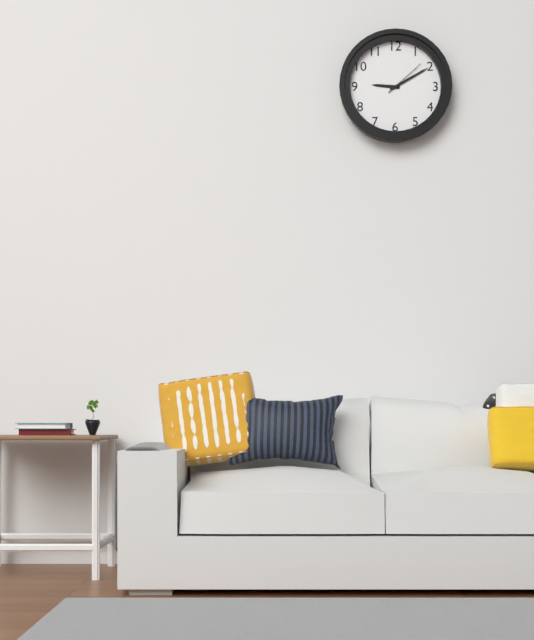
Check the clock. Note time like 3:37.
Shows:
9:10
